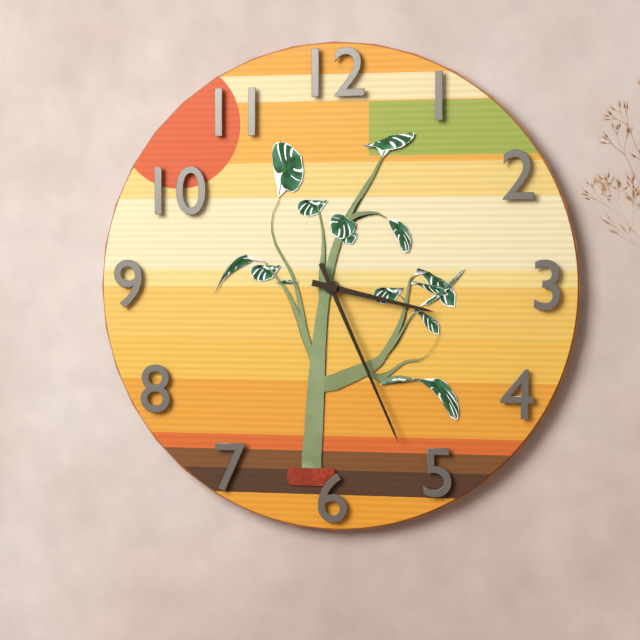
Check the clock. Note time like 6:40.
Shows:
3:26
